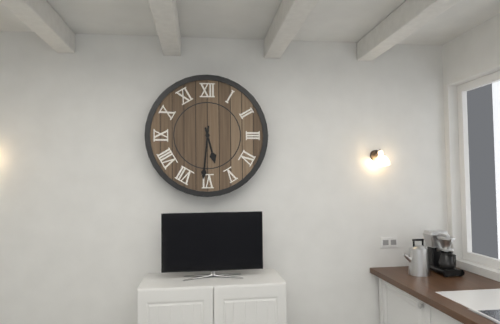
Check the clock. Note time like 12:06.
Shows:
5:31
